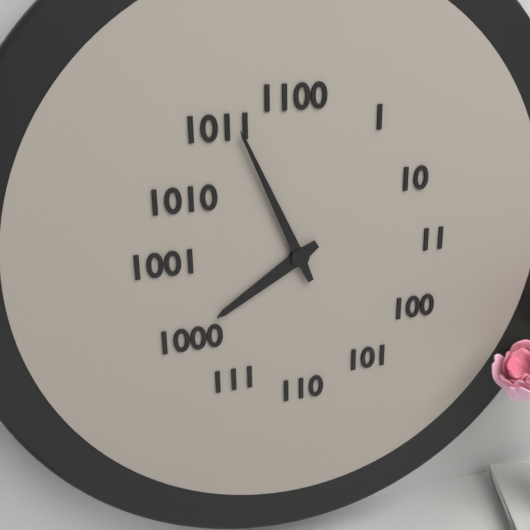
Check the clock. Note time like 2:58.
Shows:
7:56
